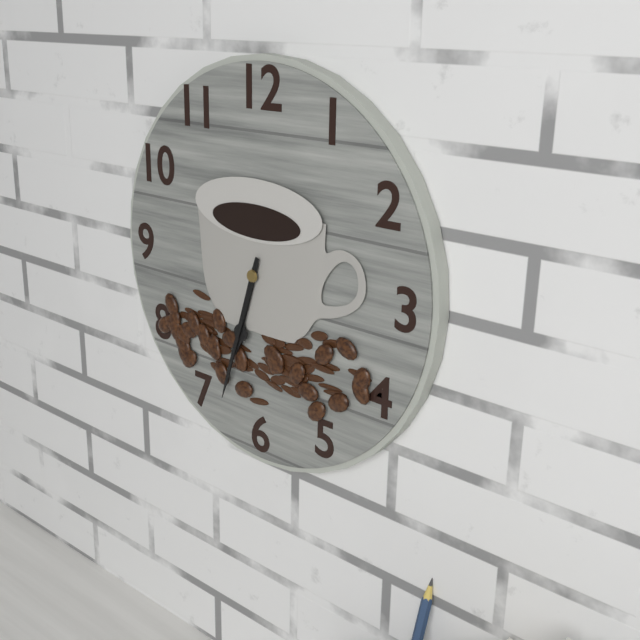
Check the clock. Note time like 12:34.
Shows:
6:33
